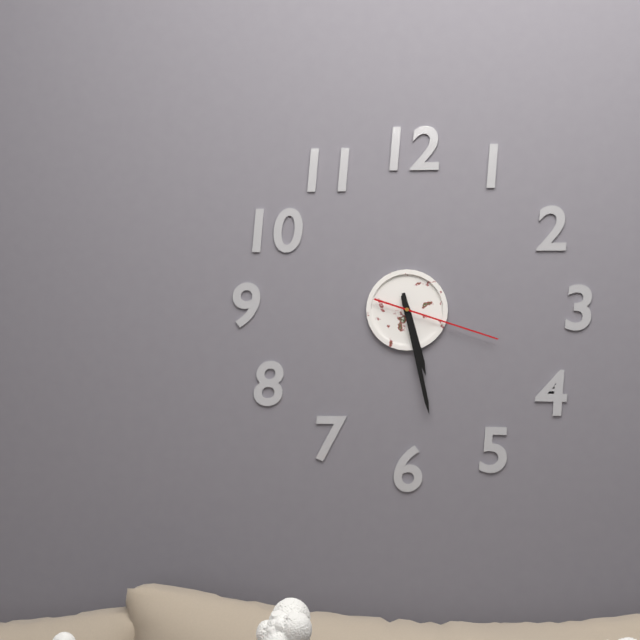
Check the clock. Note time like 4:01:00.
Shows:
5:28:18
